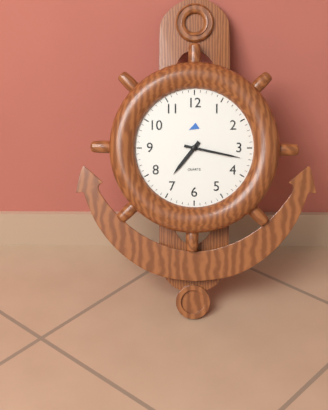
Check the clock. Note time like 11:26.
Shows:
7:17
